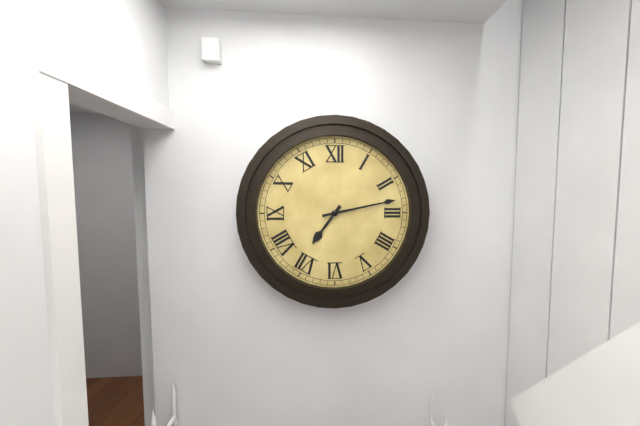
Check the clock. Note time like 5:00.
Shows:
7:13
